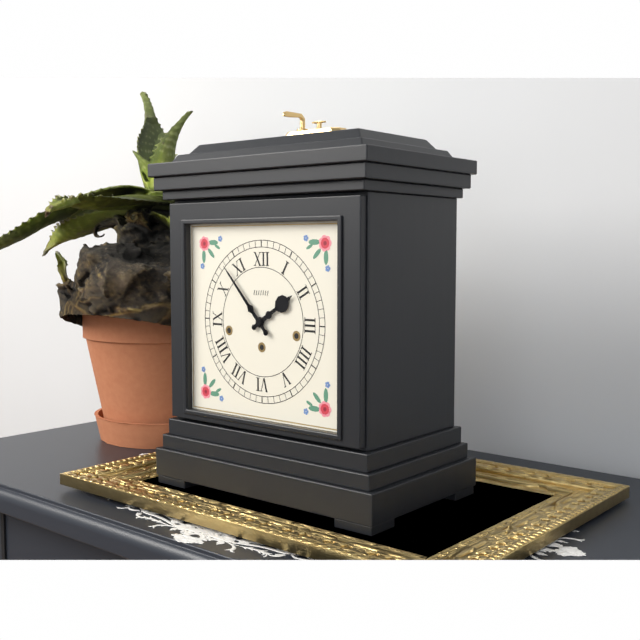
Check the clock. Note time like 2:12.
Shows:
1:53
